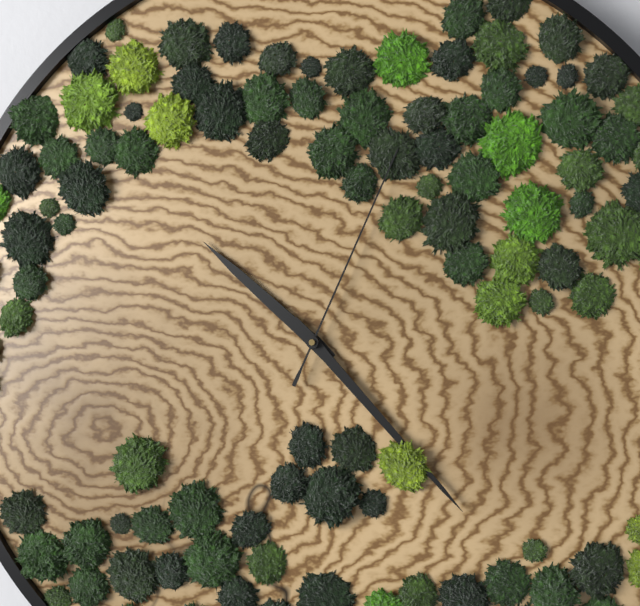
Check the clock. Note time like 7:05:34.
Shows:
10:23:04
